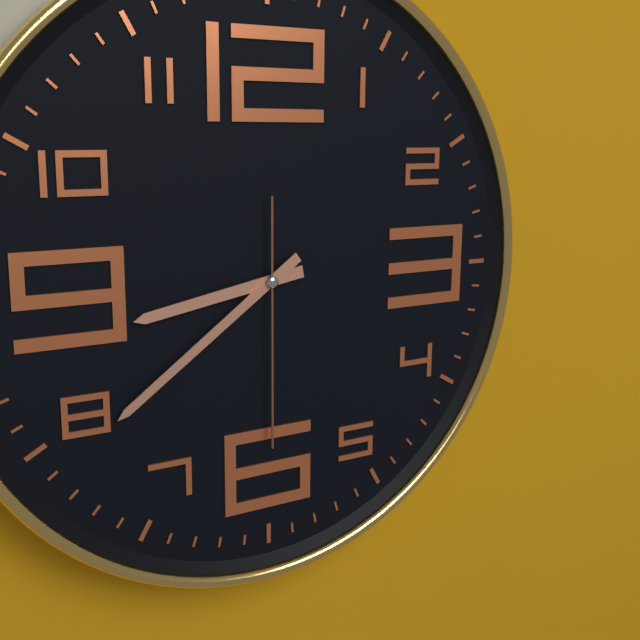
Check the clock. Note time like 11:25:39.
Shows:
8:39:30
